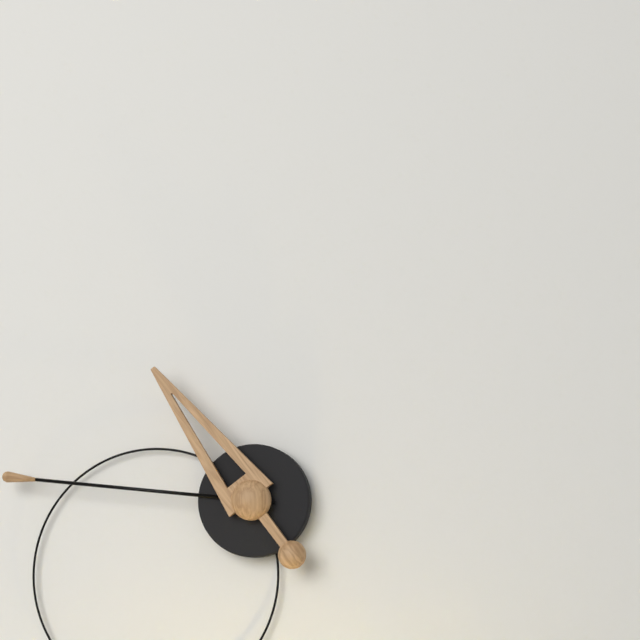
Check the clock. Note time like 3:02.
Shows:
10:46
